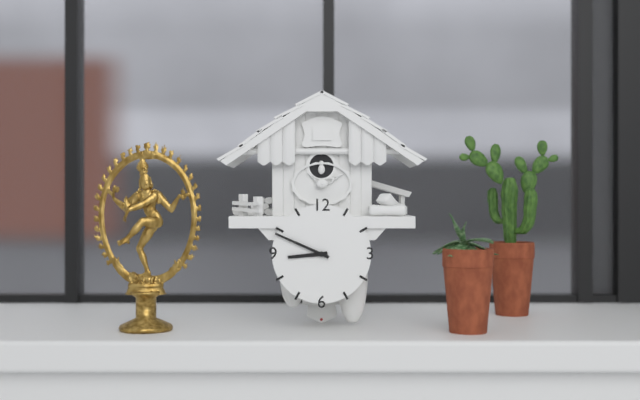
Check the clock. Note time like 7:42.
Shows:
8:49
